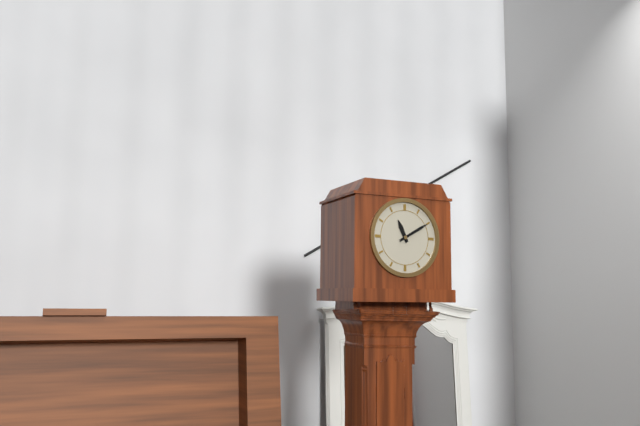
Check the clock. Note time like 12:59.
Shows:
11:10
